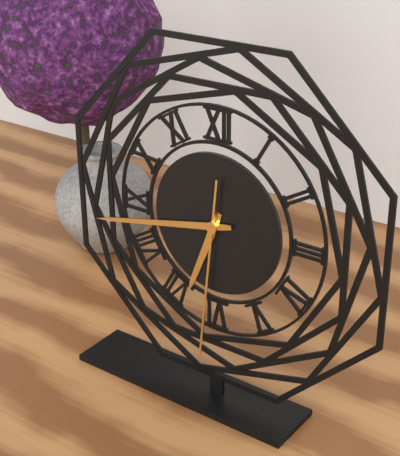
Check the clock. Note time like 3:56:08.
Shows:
6:43:31
